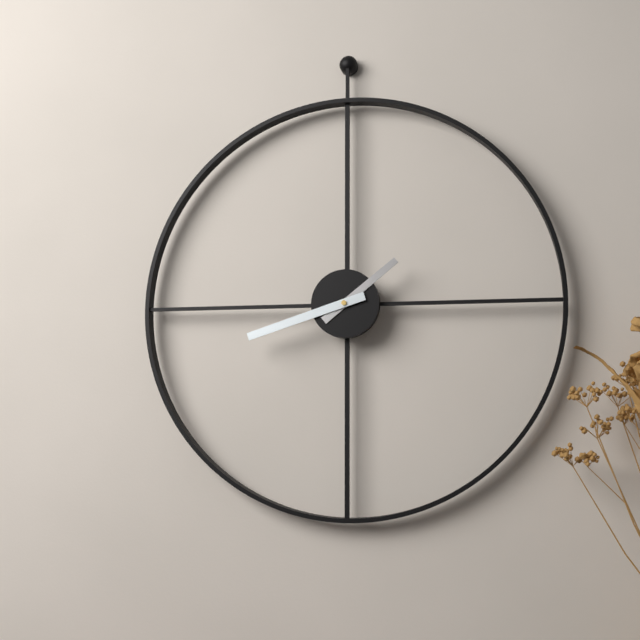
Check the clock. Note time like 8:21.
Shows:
1:42
